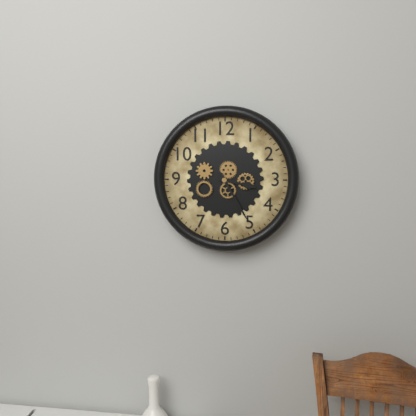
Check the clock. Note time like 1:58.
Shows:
3:25
